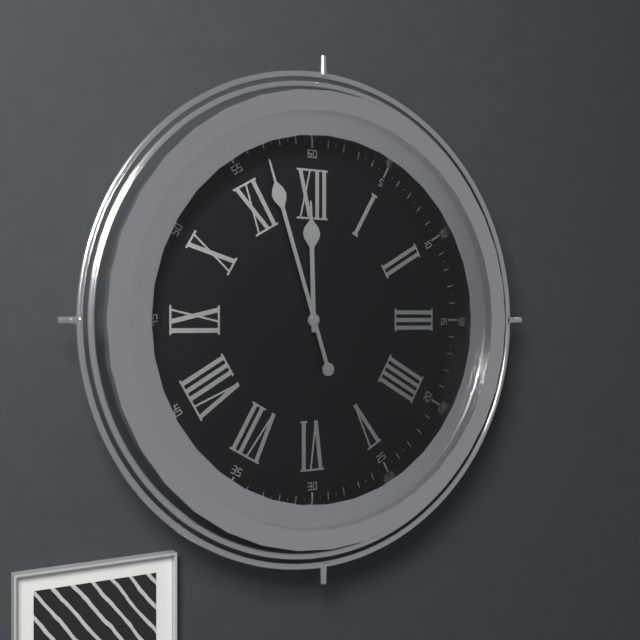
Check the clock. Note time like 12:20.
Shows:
11:57
